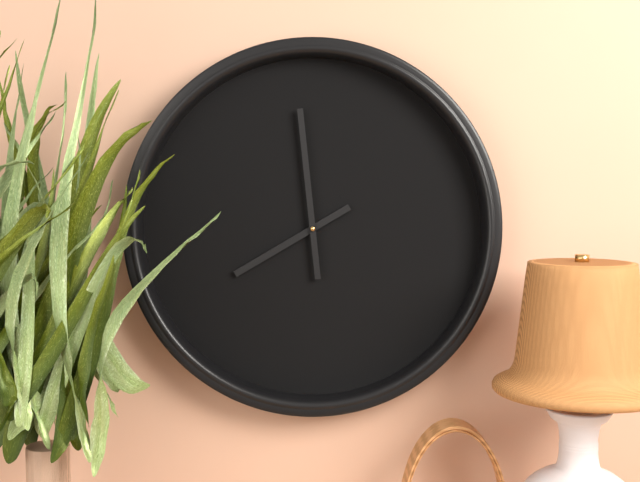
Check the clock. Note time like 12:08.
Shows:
7:59
